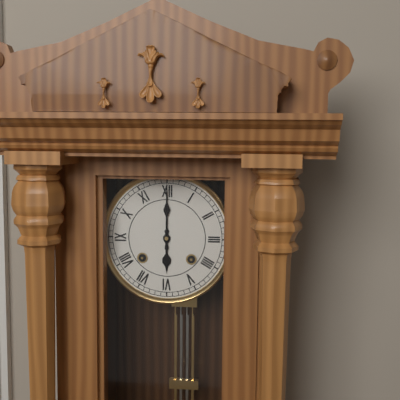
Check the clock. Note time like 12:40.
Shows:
6:00
